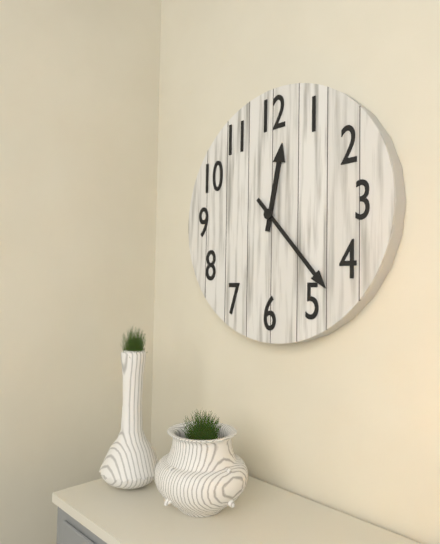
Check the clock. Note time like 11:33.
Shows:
12:23
